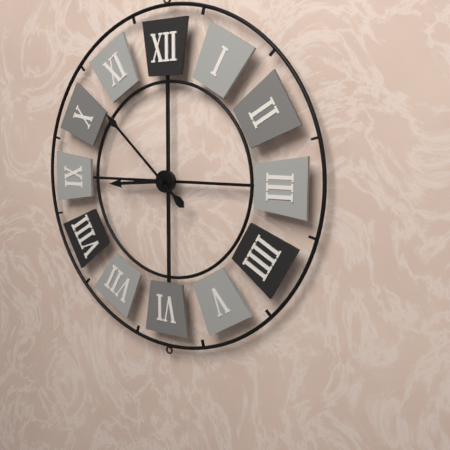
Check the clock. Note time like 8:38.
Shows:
8:52
